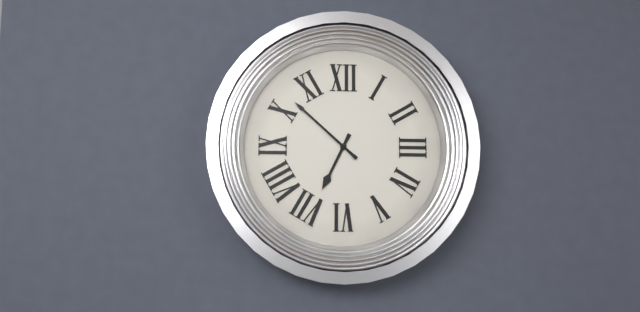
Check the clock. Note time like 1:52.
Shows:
6:52
